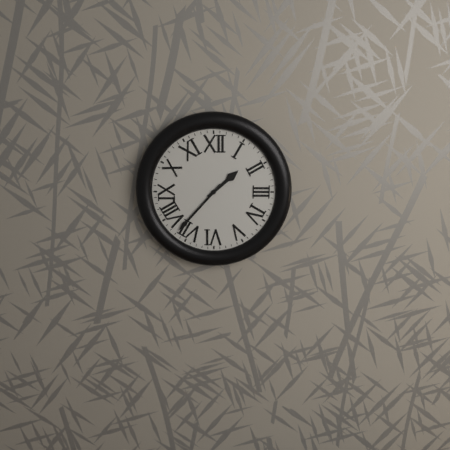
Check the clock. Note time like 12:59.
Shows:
1:37
